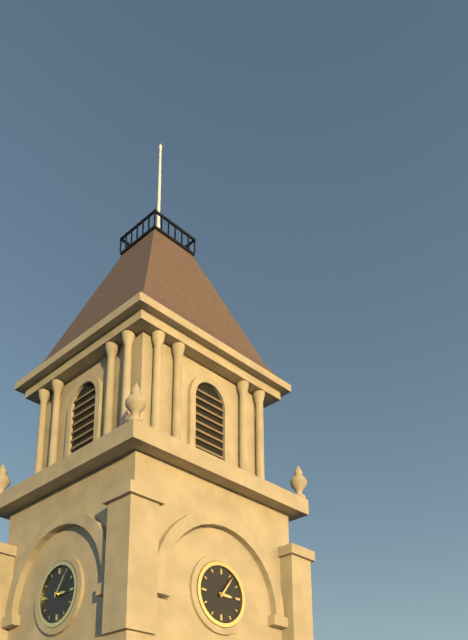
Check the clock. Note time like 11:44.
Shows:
3:06
